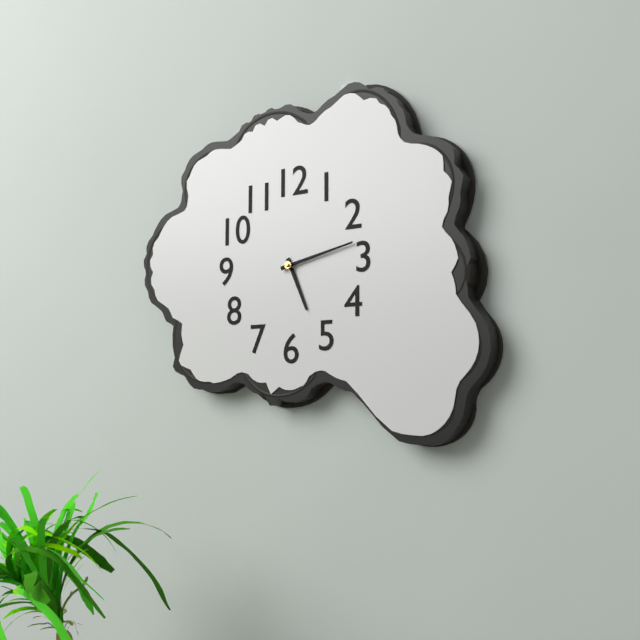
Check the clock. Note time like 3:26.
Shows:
5:13
